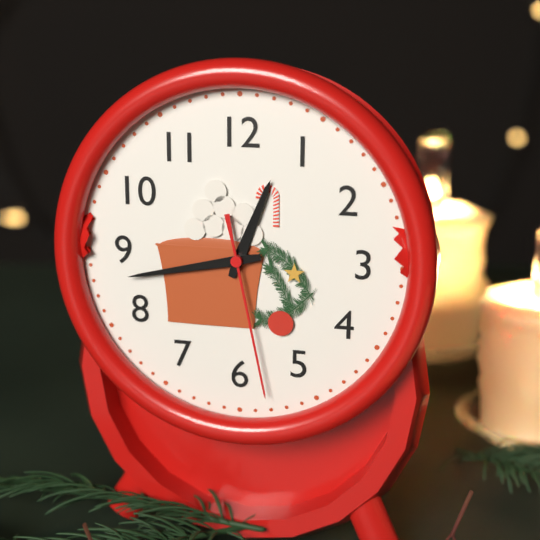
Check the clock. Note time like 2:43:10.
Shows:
12:43:28
